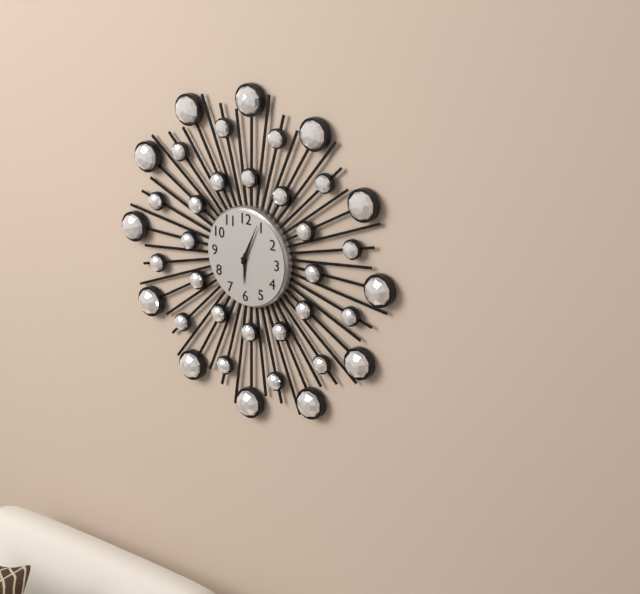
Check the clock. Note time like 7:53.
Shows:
6:04
